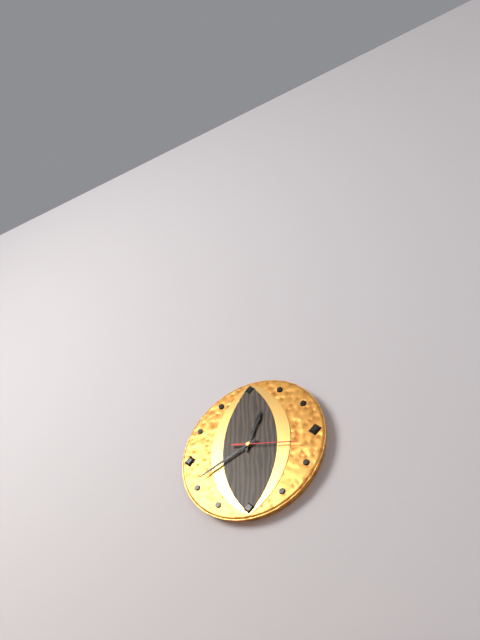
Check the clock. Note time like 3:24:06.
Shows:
12:41:17
